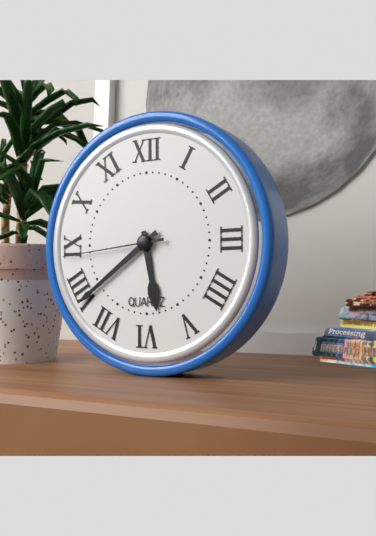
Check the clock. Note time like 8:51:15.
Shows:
5:39:44
